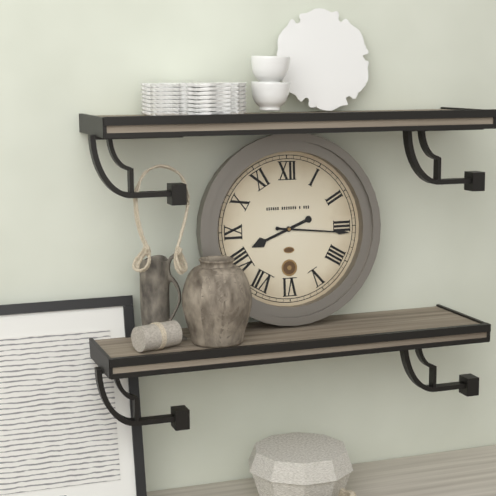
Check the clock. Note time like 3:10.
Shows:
8:16
